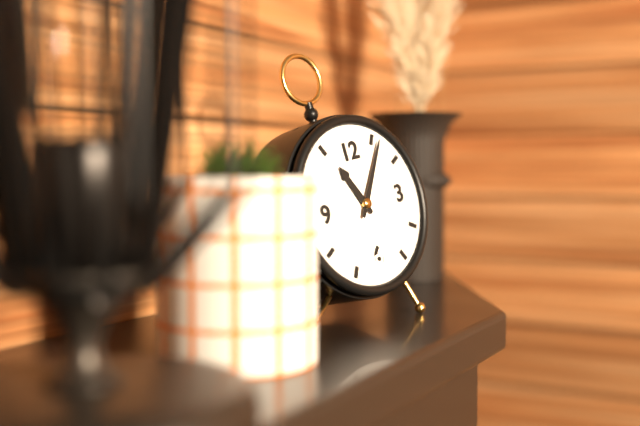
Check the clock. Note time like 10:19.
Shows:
11:06
